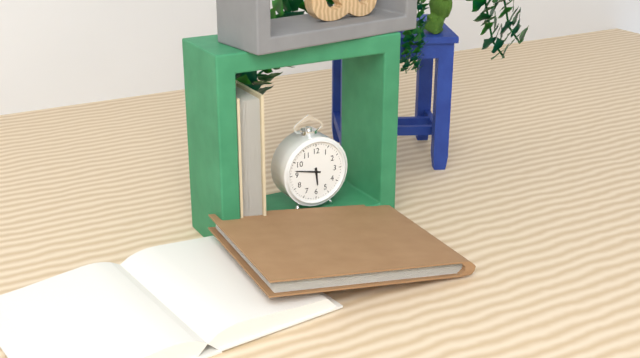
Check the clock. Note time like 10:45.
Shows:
5:47
